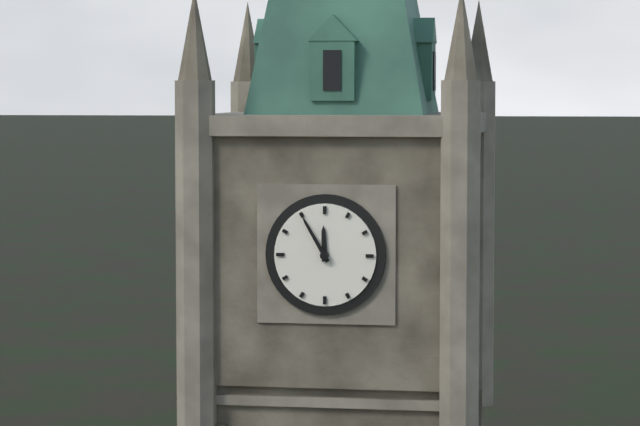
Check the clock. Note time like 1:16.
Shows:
11:55
